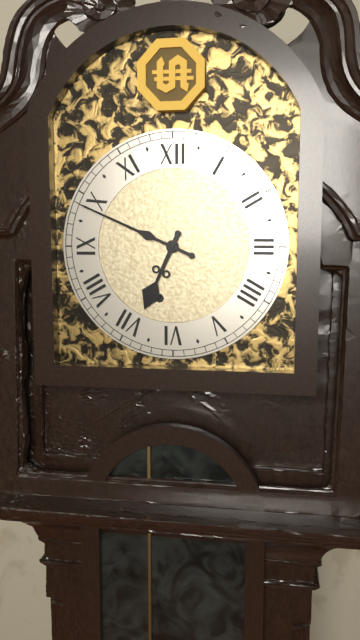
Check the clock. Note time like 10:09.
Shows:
6:49
